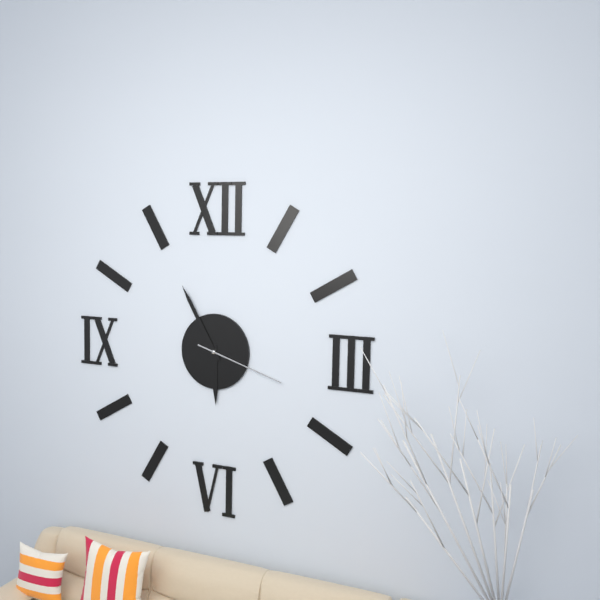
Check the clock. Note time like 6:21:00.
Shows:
5:55:18
